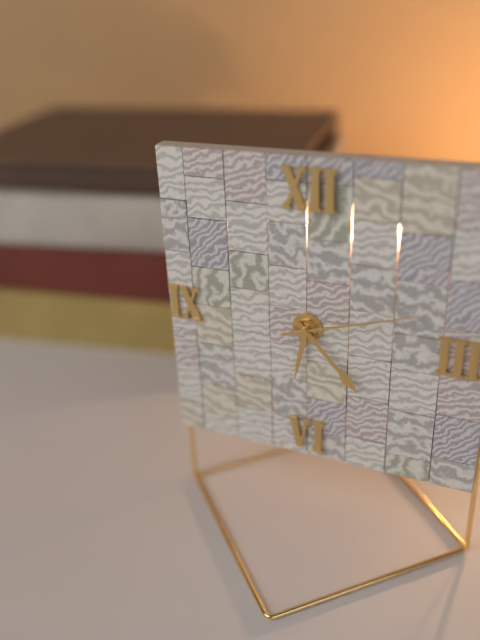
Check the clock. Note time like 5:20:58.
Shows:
6:23:12
